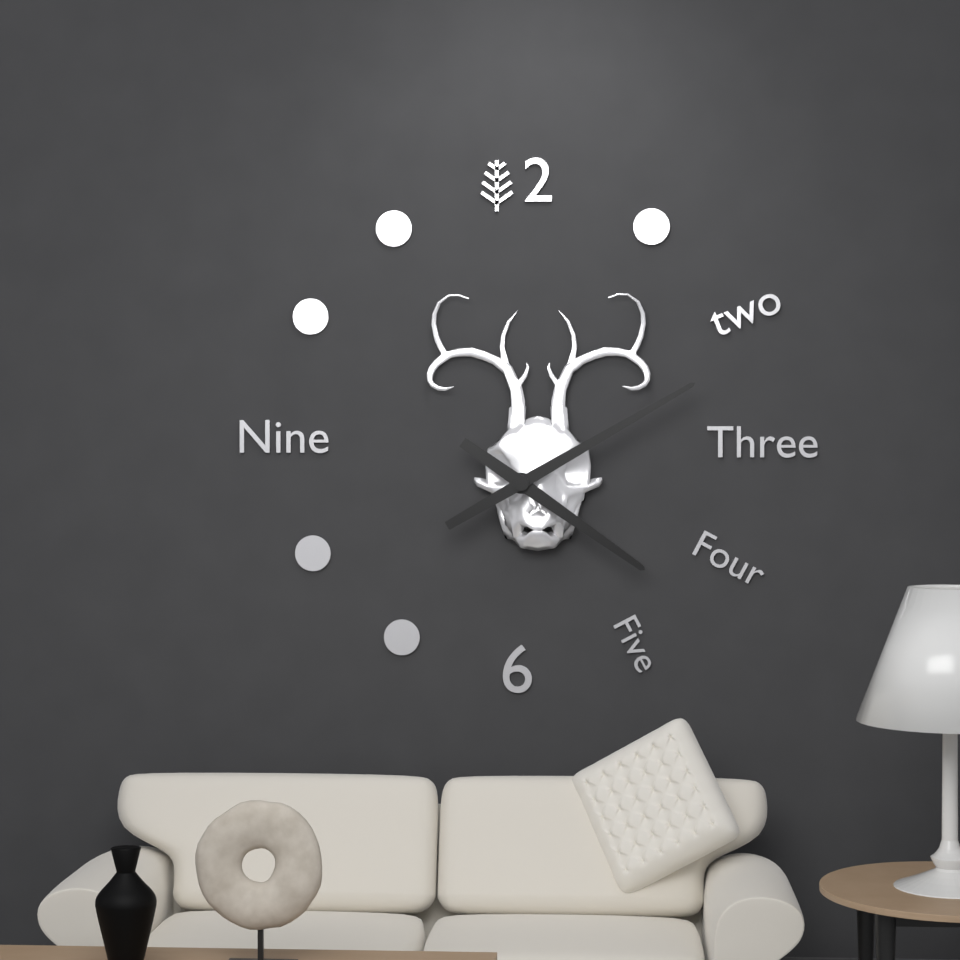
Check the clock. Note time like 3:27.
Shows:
4:10
